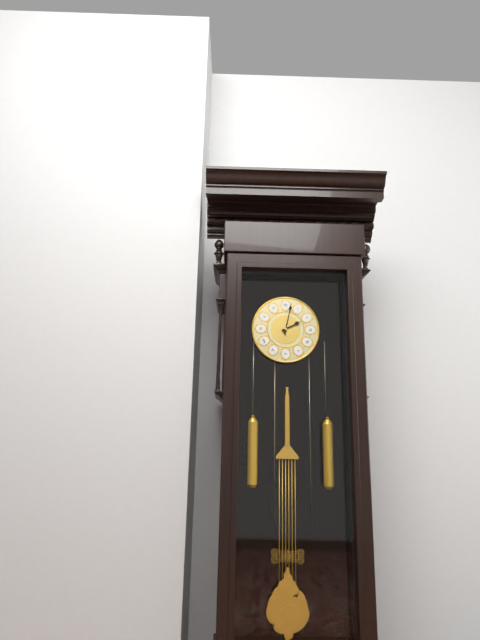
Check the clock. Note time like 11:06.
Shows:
2:02
